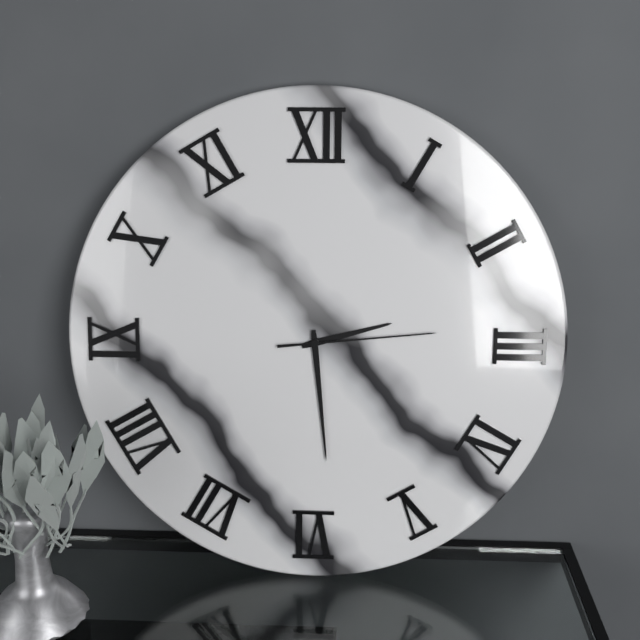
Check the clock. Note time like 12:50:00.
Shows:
2:29:14
